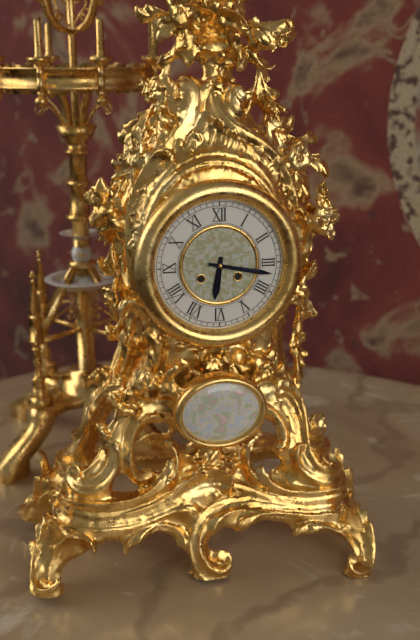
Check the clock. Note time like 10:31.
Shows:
6:17
